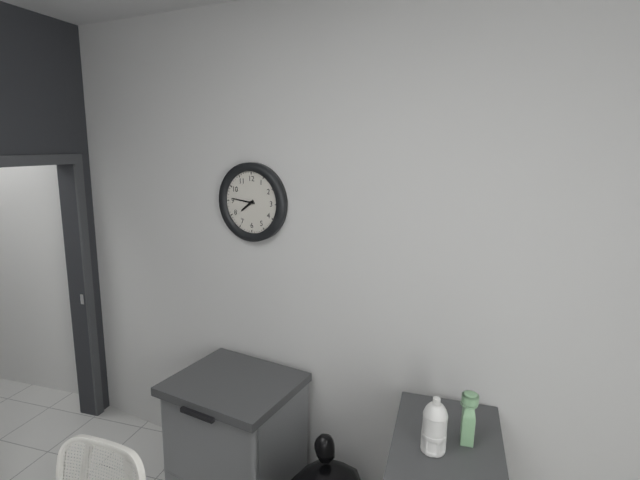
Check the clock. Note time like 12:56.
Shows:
7:46
